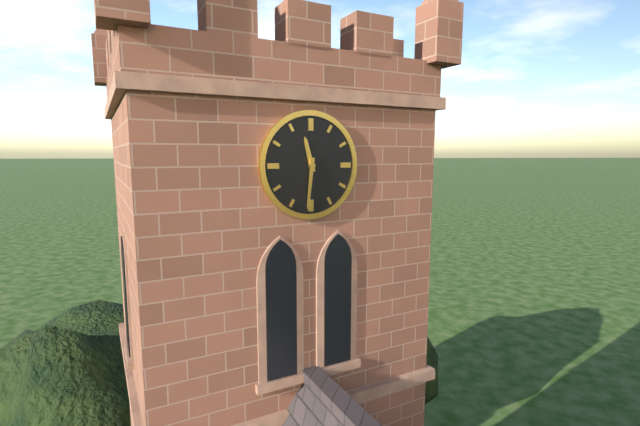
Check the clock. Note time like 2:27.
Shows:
11:31
